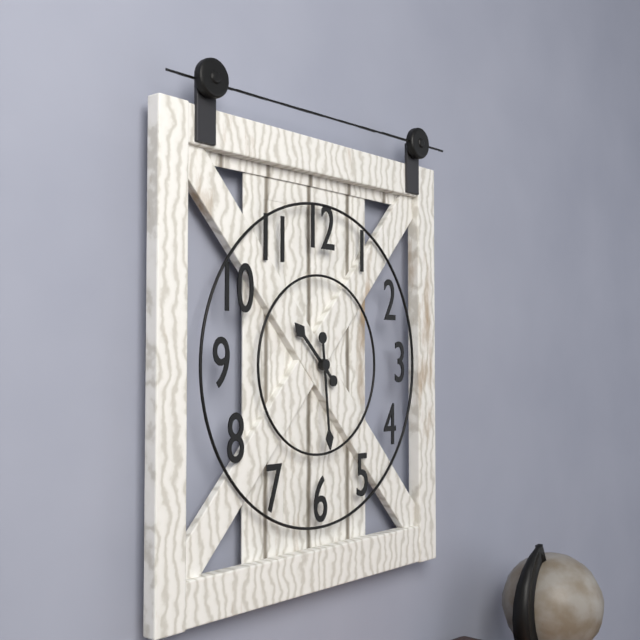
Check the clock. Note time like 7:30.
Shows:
10:29
